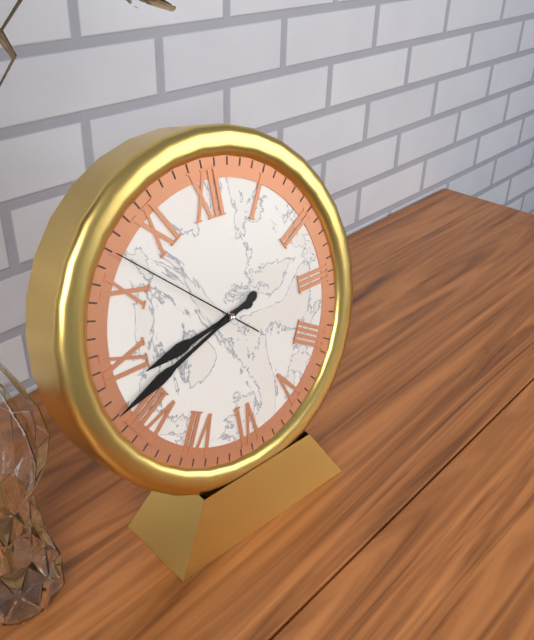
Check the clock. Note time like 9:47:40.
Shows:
8:42:52
